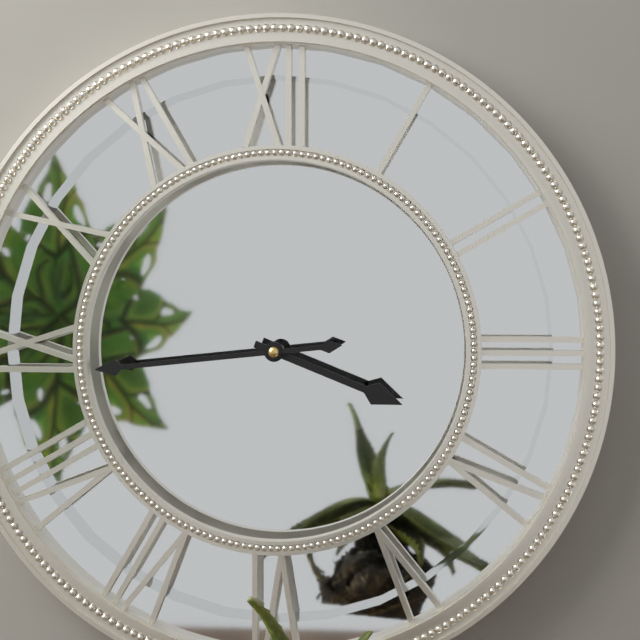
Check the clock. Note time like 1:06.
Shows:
3:44
